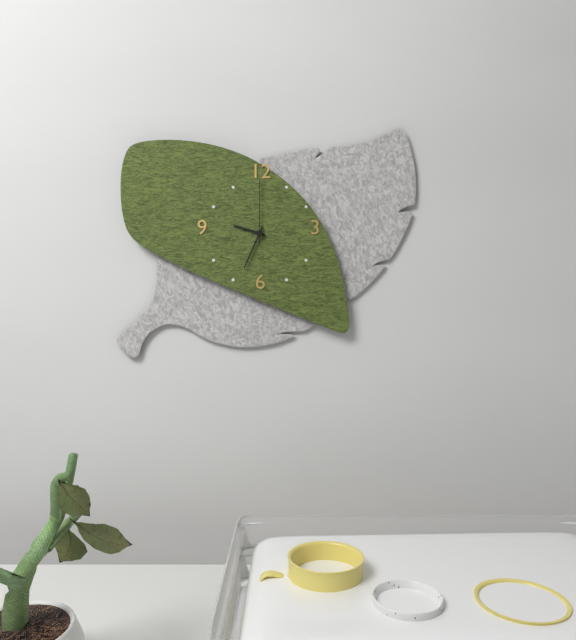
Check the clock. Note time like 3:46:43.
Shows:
9:34:00
